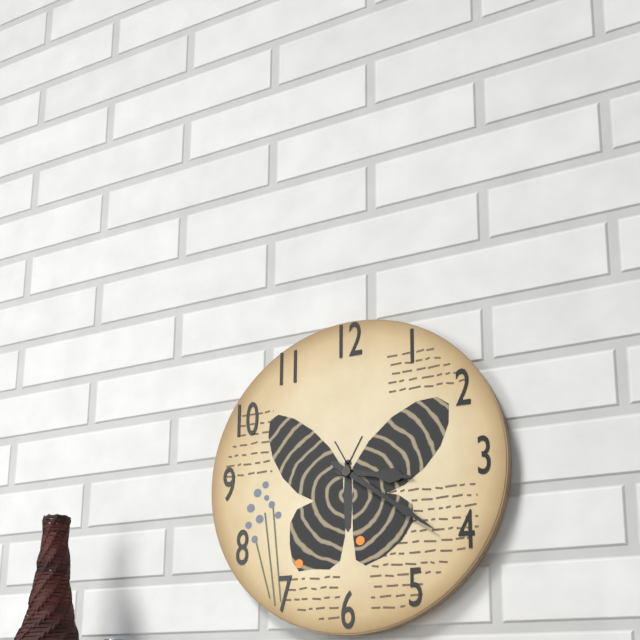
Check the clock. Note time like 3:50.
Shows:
3:21
